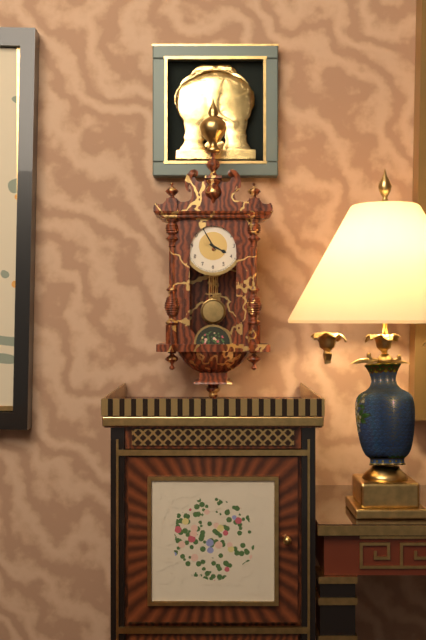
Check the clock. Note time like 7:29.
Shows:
3:55
